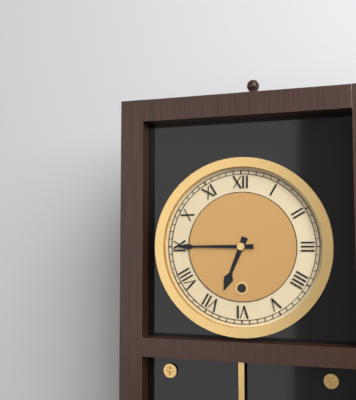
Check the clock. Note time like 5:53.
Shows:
6:45
